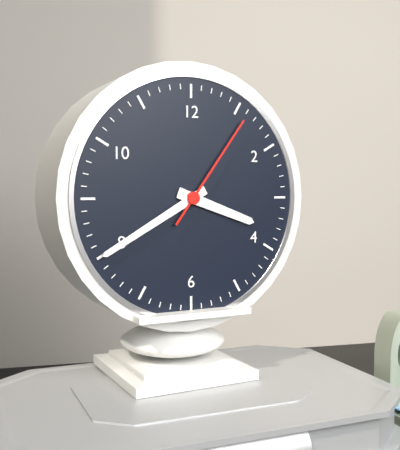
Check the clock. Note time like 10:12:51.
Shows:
3:40:06
